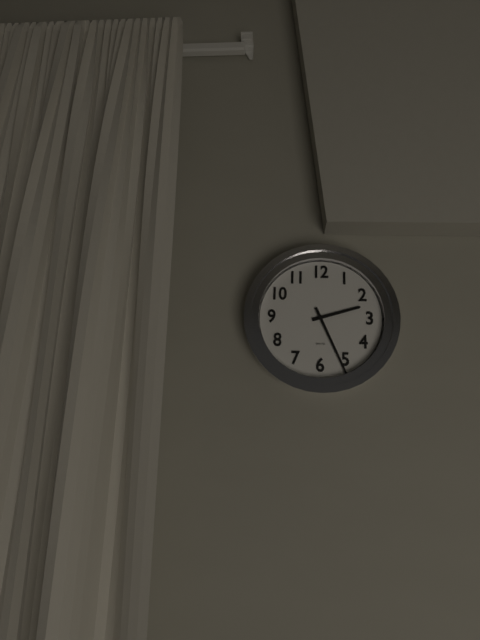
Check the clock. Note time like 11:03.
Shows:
2:26
